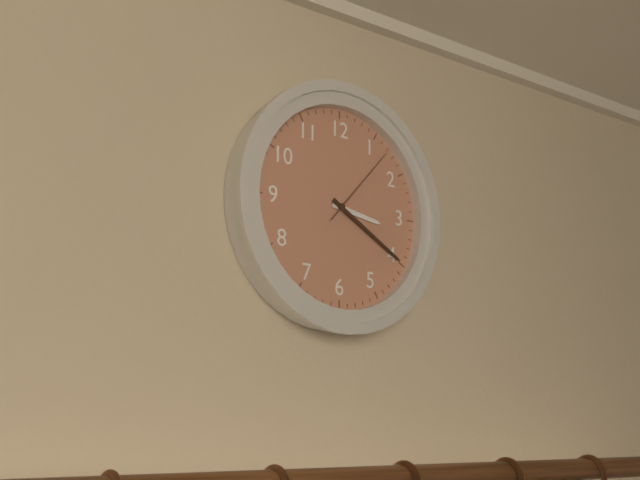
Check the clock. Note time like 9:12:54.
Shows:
3:20:07
